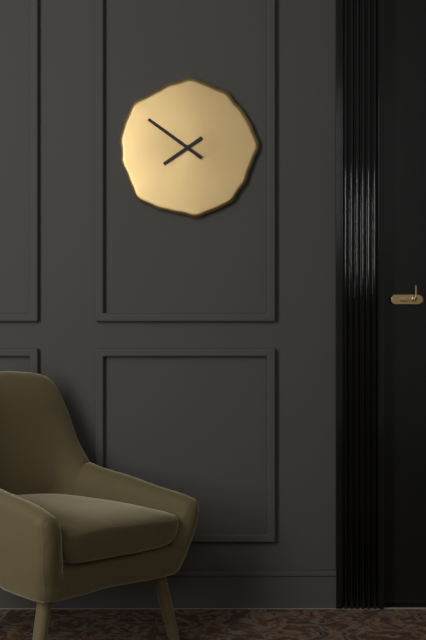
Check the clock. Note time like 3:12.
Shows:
7:51
